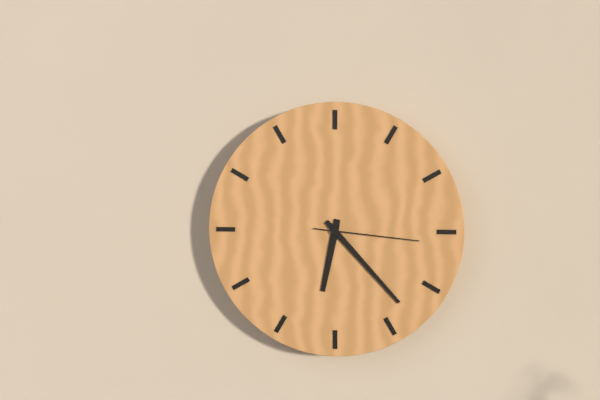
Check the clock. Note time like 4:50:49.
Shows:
6:23:16
